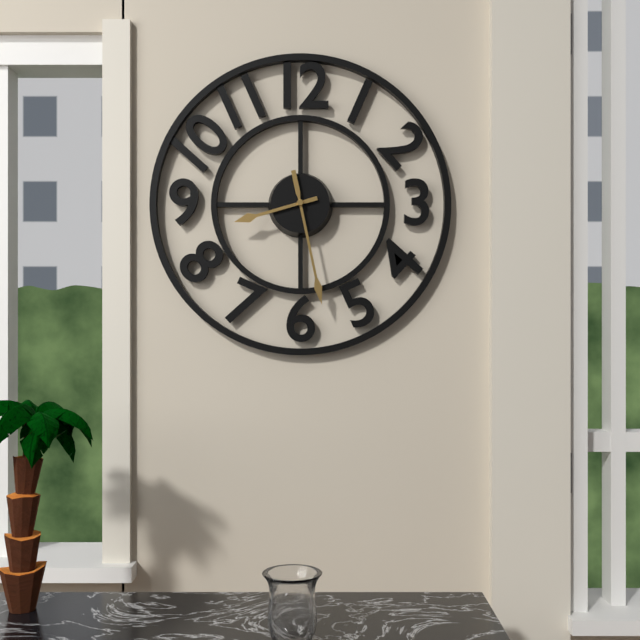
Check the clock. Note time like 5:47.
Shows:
8:28
